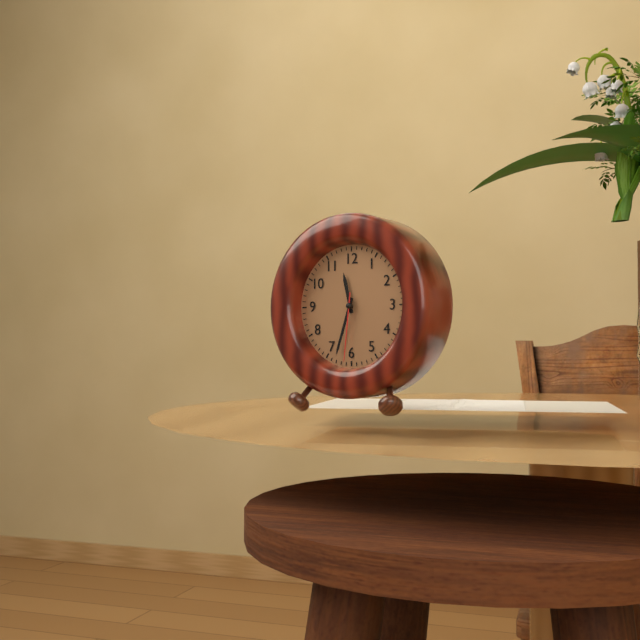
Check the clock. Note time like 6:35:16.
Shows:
11:33:31
